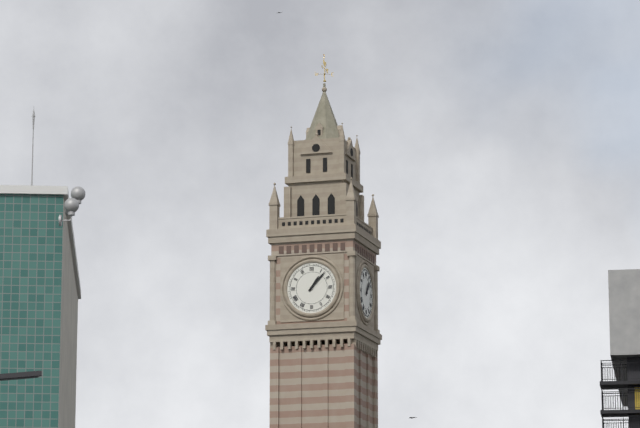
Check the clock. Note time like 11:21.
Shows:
1:07
